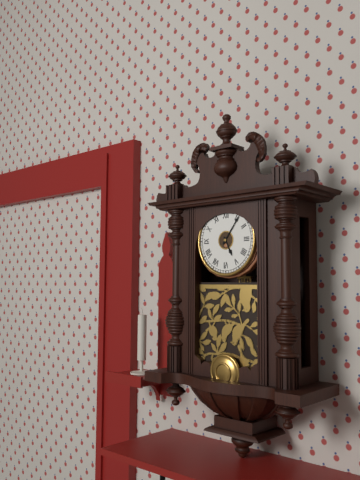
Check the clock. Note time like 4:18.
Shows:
5:06
